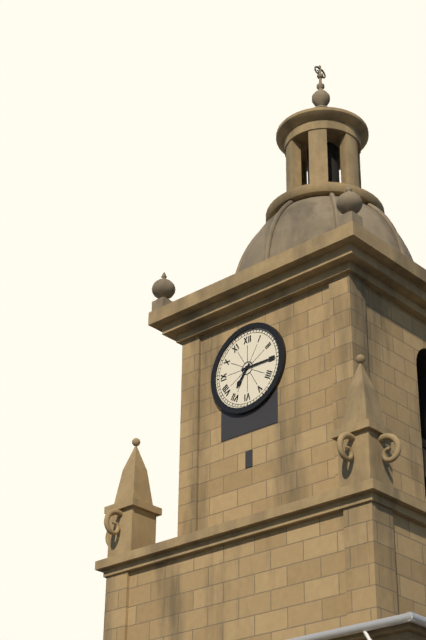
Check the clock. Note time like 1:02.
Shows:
7:15
